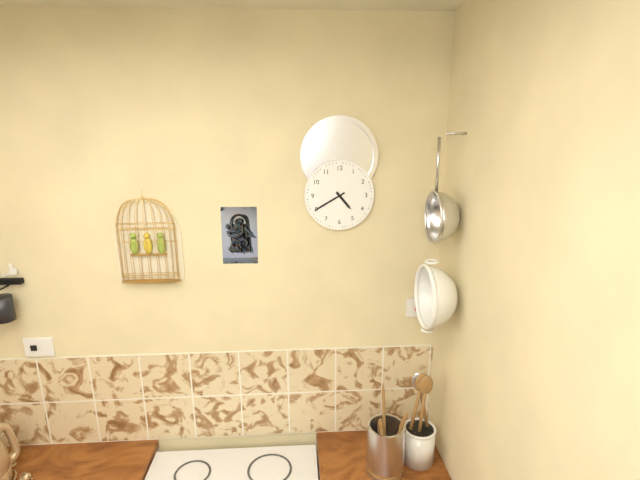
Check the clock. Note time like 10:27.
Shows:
4:40
